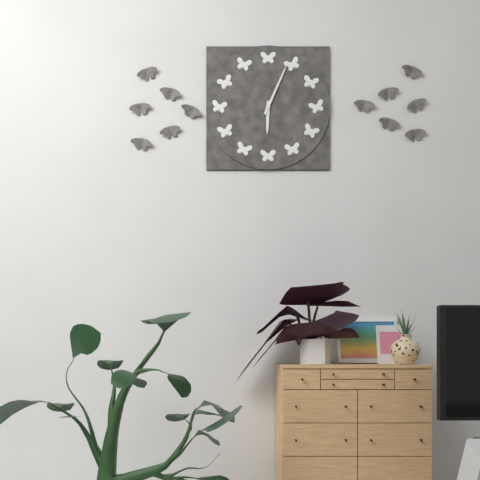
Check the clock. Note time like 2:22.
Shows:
6:04
